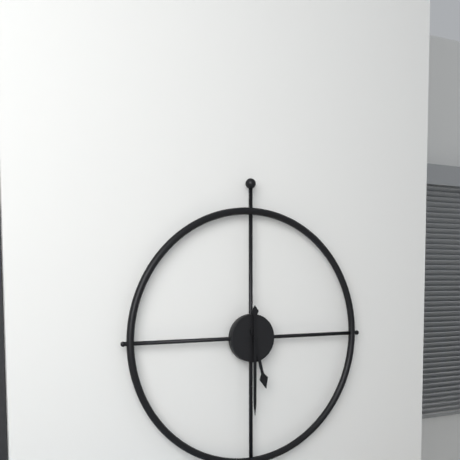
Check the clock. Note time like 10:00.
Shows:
5:30
